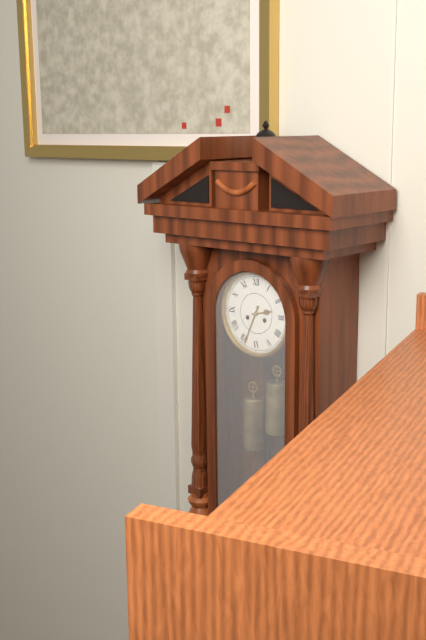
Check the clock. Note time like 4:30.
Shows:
2:34
